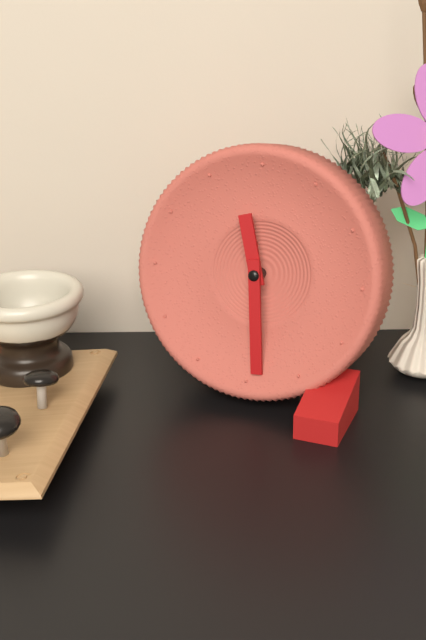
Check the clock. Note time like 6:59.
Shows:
11:29
